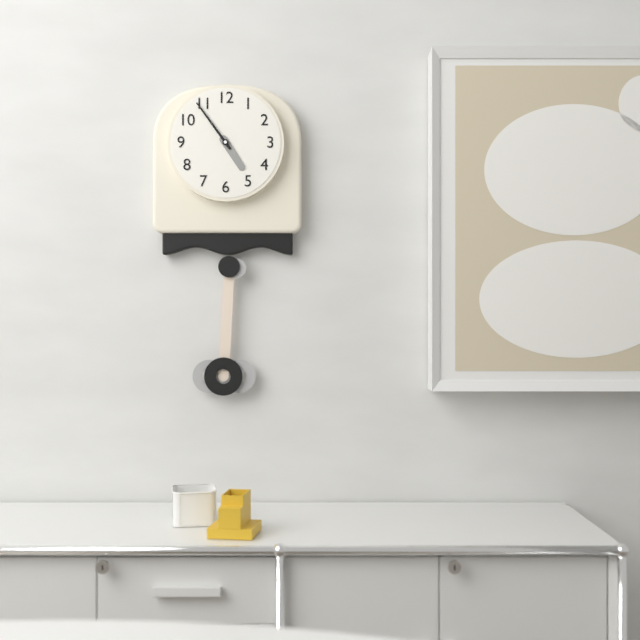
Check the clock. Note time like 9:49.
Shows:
4:54
